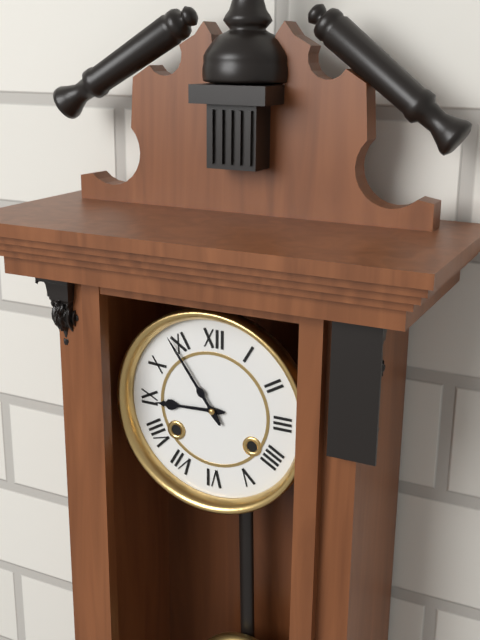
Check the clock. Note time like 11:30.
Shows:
8:54
